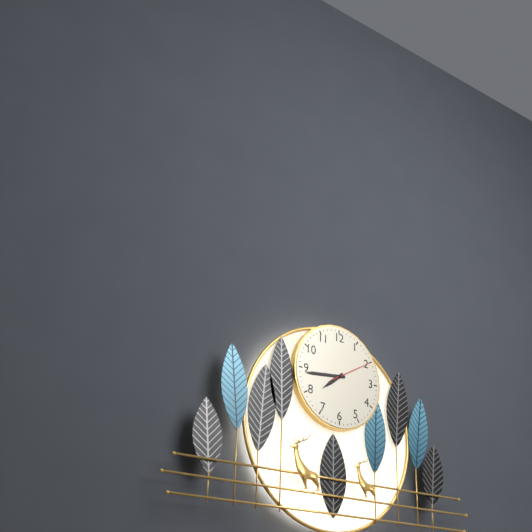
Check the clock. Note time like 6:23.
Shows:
7:44
